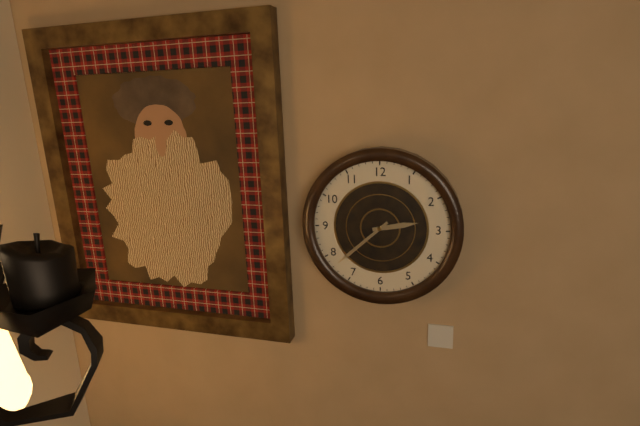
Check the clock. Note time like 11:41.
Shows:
2:38
